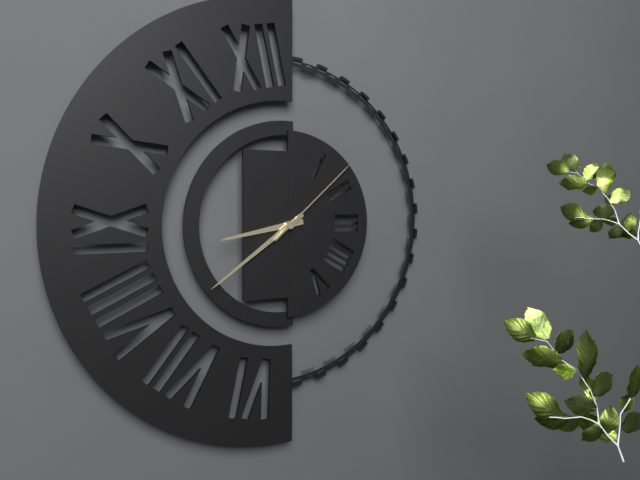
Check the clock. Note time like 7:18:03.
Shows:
8:39:08
